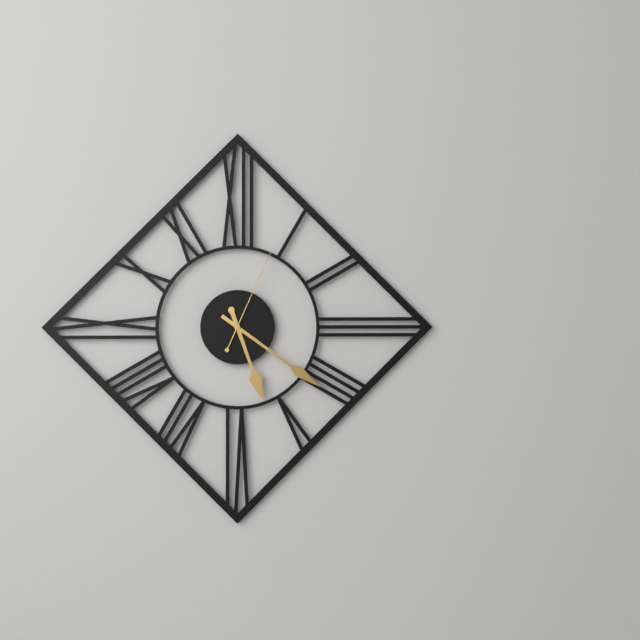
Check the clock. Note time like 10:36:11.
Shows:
5:21:04
